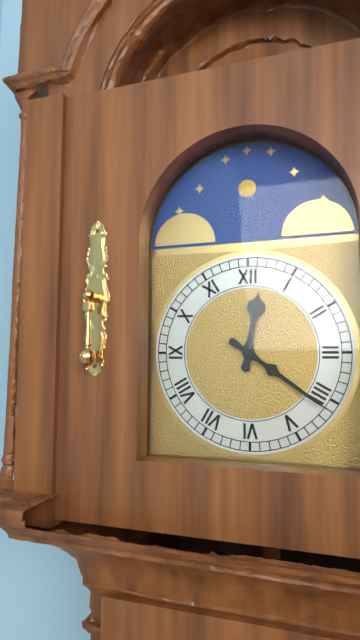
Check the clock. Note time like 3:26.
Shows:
12:21
